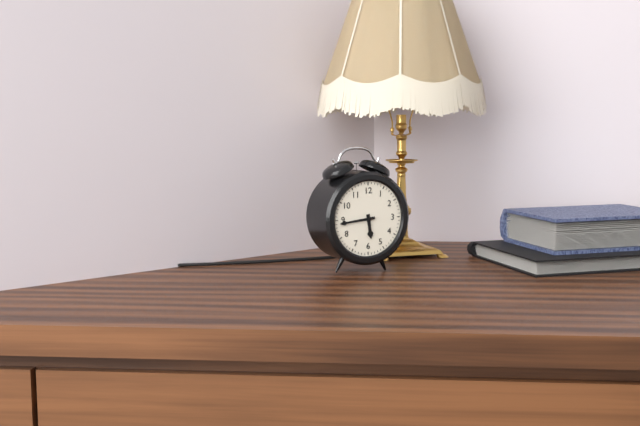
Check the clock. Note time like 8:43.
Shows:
5:44
